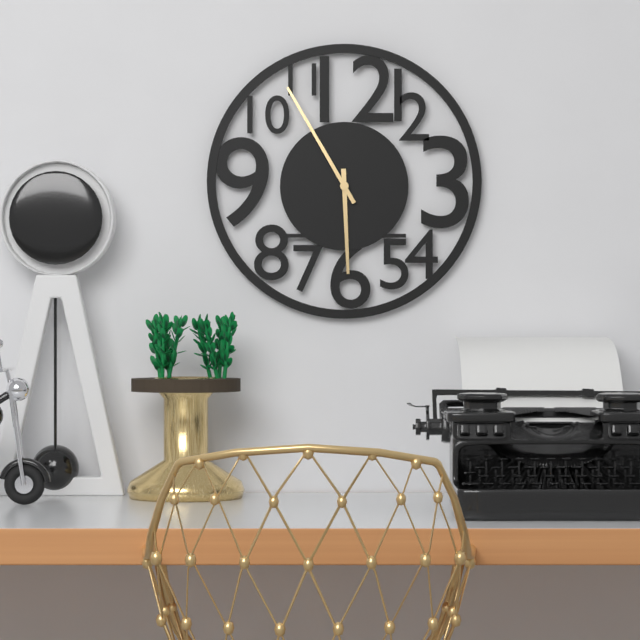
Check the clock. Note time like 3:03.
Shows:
5:55
